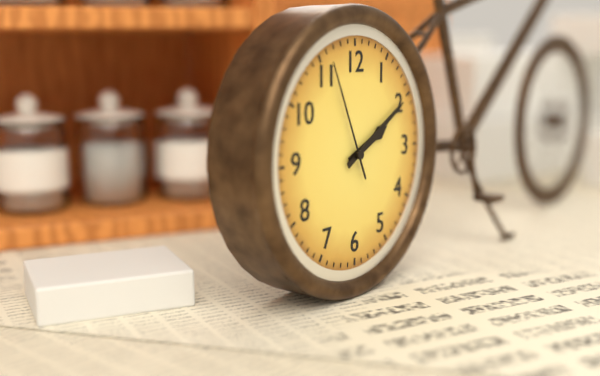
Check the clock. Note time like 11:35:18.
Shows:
2:10:56
